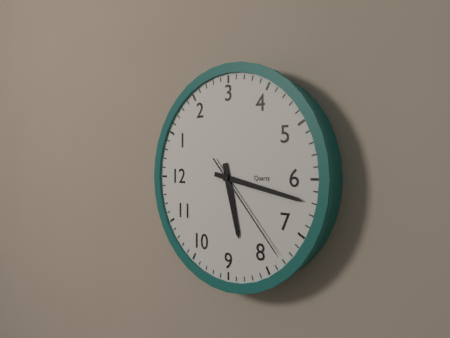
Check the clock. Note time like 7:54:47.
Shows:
8:32:38
